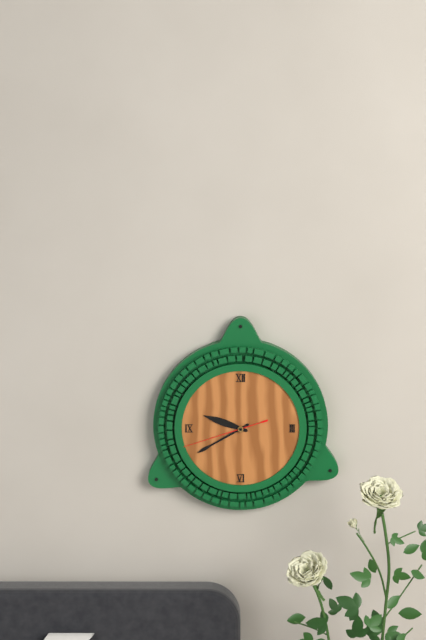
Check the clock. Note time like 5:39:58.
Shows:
9:40:42
